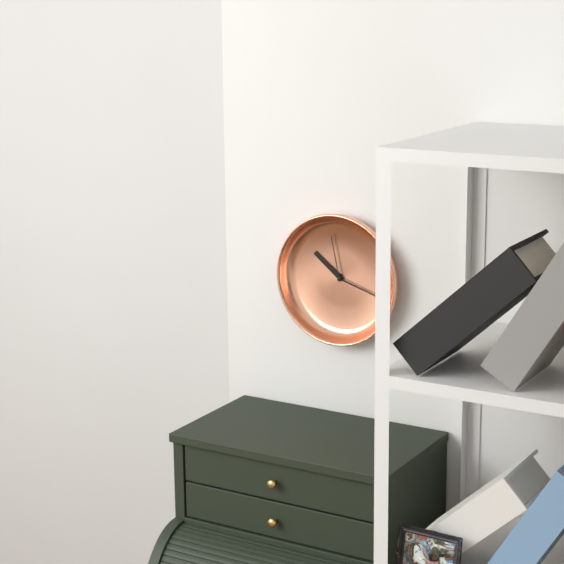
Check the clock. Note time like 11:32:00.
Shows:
10:18:58
